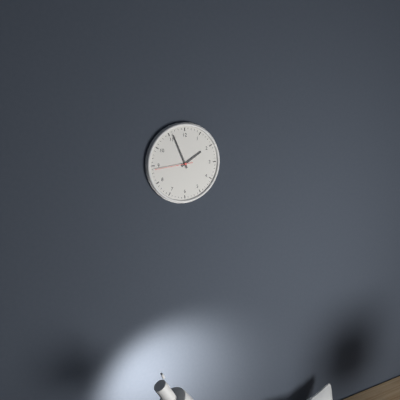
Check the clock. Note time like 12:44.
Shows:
1:56
